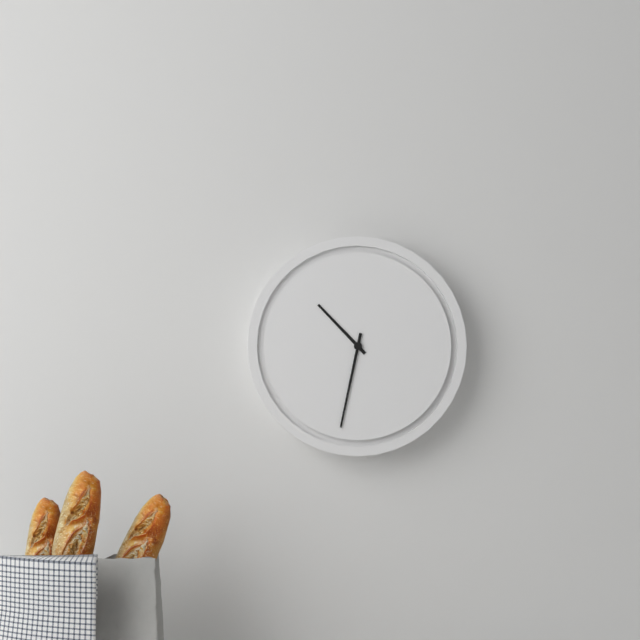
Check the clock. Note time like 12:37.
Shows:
10:32
